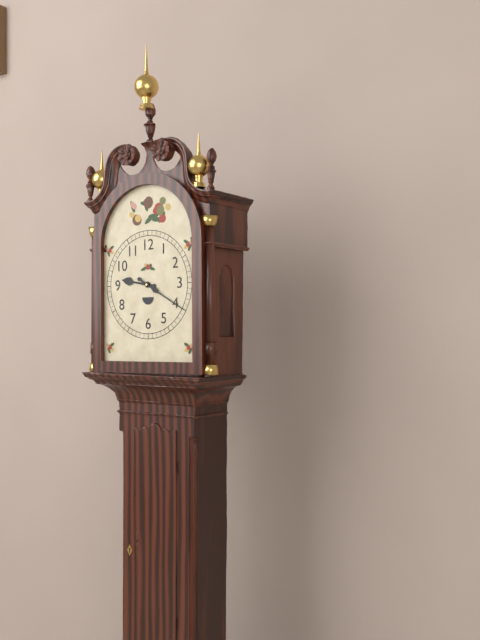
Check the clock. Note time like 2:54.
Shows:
9:20
